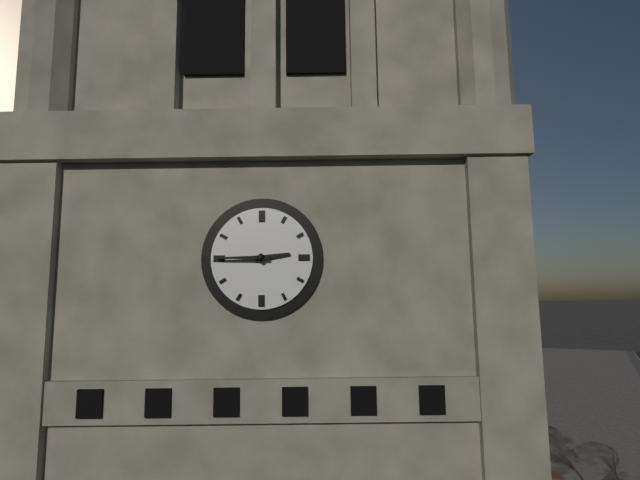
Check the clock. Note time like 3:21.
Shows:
2:45
